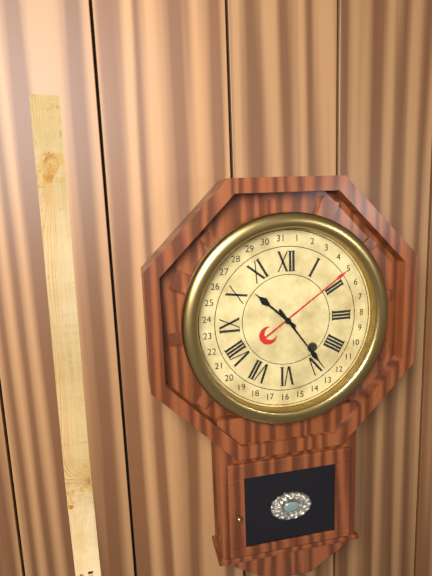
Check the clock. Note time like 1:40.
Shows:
10:24
